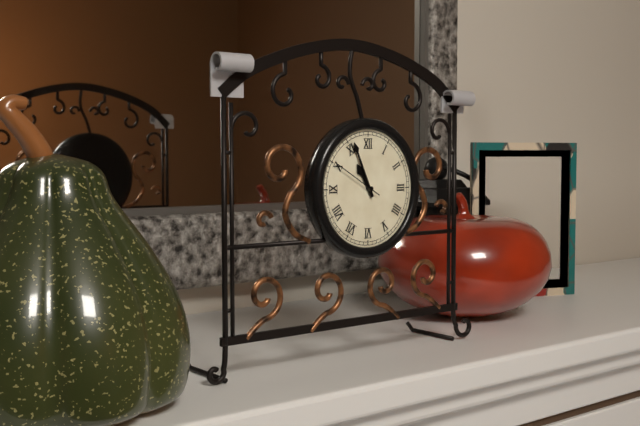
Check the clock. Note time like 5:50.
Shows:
10:56
